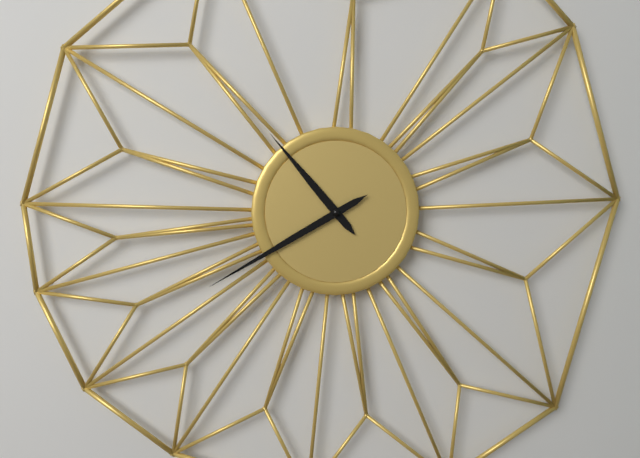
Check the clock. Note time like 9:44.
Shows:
10:40
